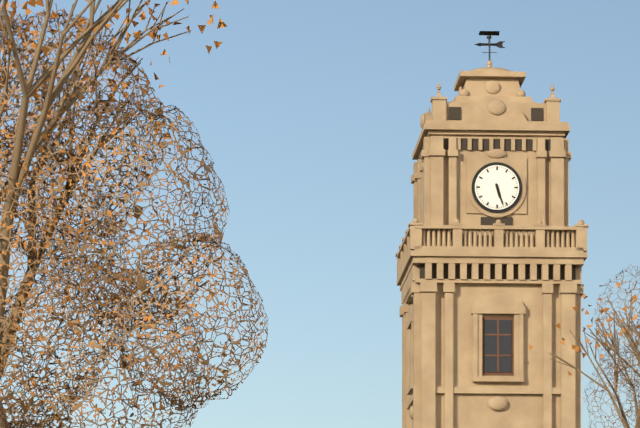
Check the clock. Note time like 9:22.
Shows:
5:27
